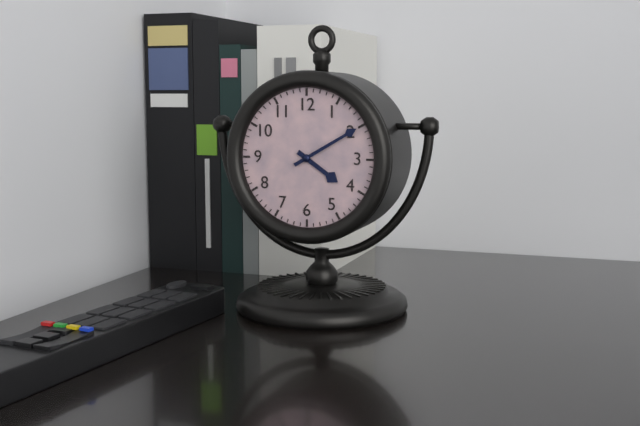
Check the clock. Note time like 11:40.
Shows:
4:10
